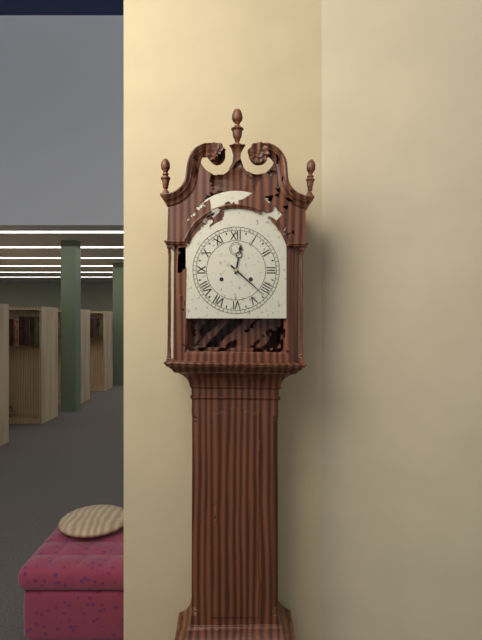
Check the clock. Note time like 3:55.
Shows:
12:22
